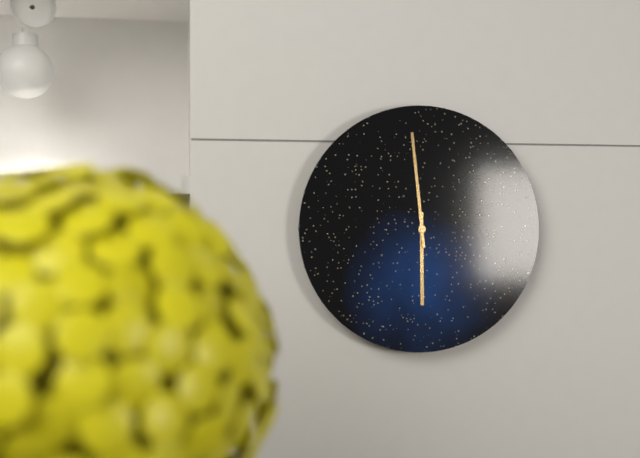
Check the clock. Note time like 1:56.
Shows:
5:59
